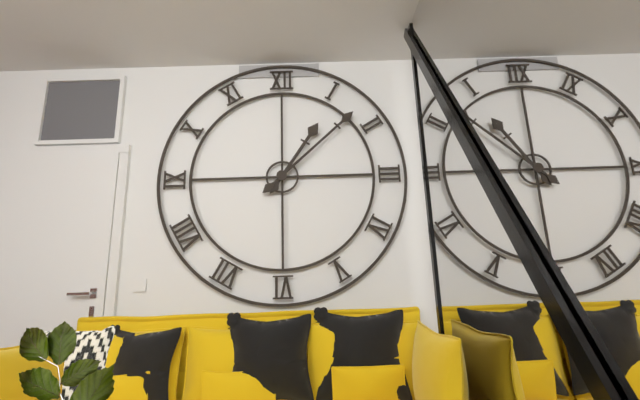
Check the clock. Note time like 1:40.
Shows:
1:08
